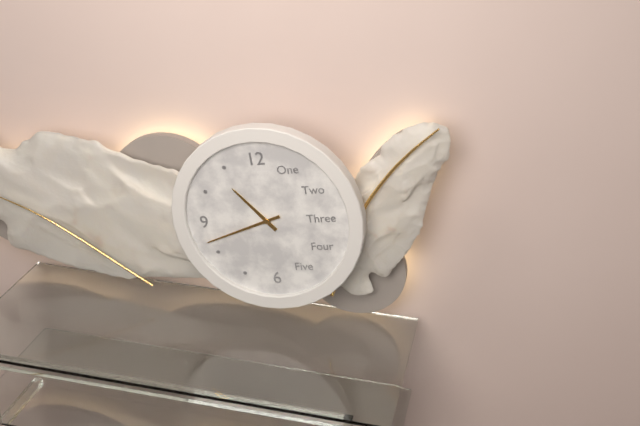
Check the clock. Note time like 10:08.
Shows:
10:42
